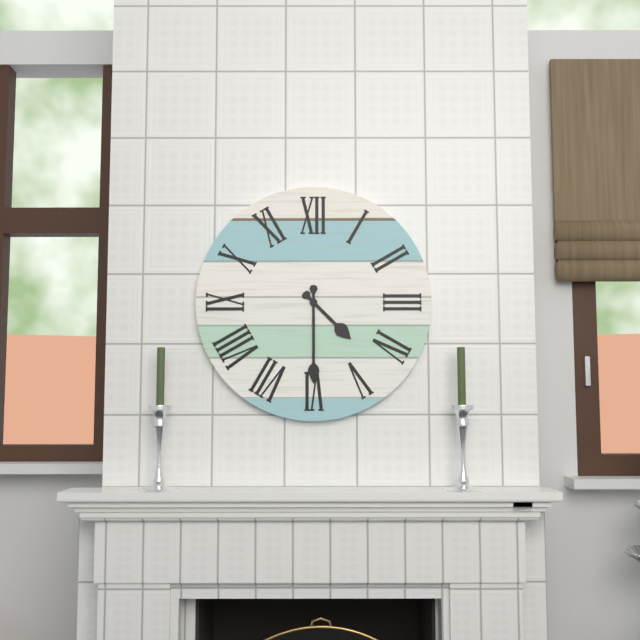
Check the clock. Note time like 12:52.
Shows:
4:30
